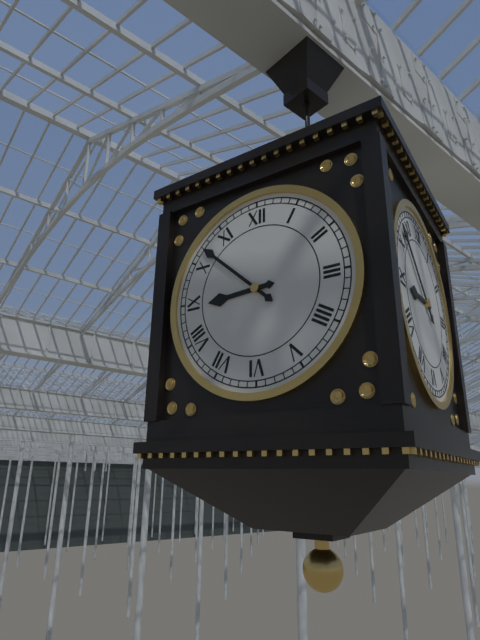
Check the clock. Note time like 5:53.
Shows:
8:52
